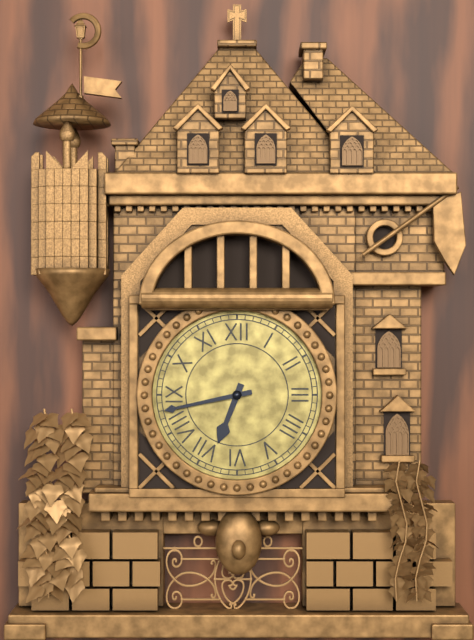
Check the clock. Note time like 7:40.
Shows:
6:43
